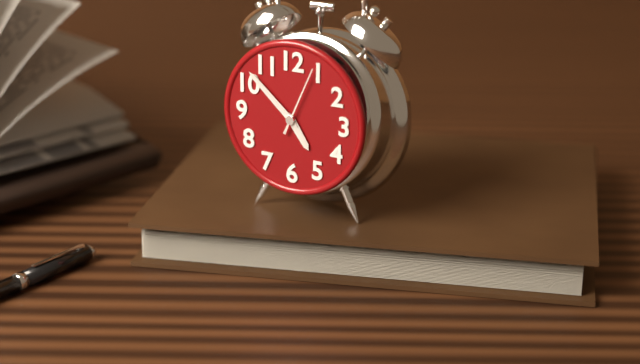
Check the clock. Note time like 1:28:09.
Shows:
4:52:04
